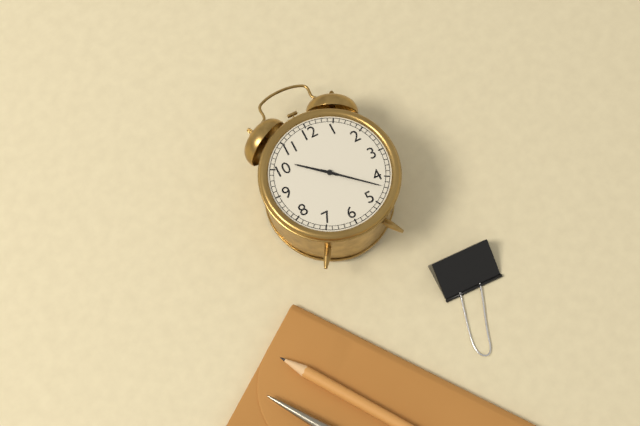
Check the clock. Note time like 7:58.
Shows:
10:22
